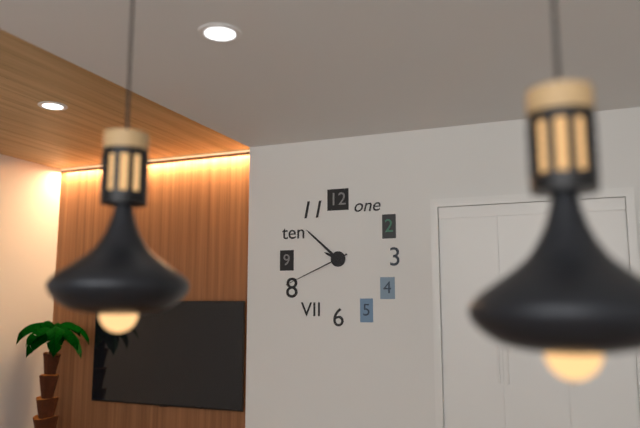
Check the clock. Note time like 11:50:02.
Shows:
9:52:41
